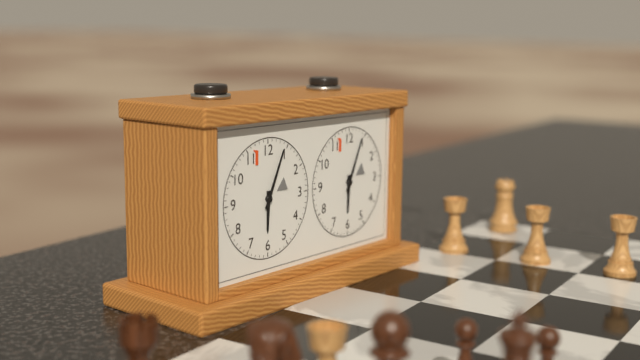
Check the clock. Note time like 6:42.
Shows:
6:04
